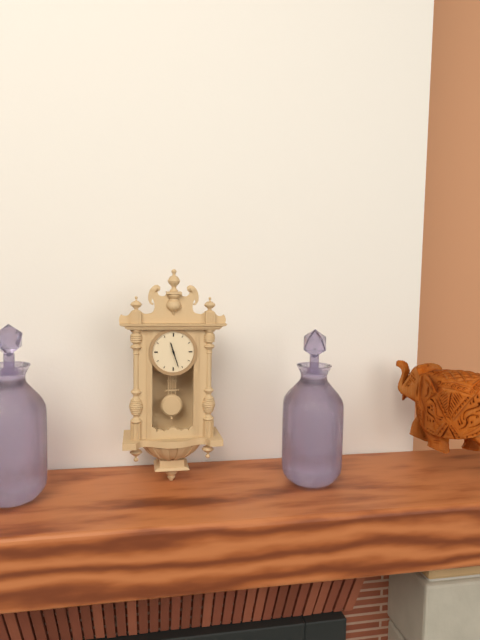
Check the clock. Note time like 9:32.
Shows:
11:27
